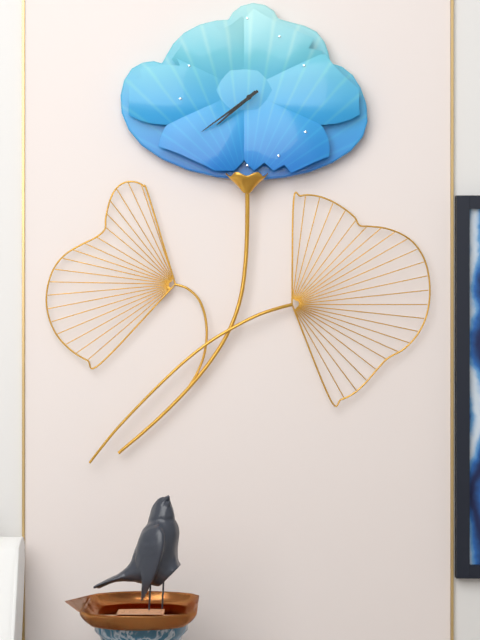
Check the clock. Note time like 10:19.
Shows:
7:39
